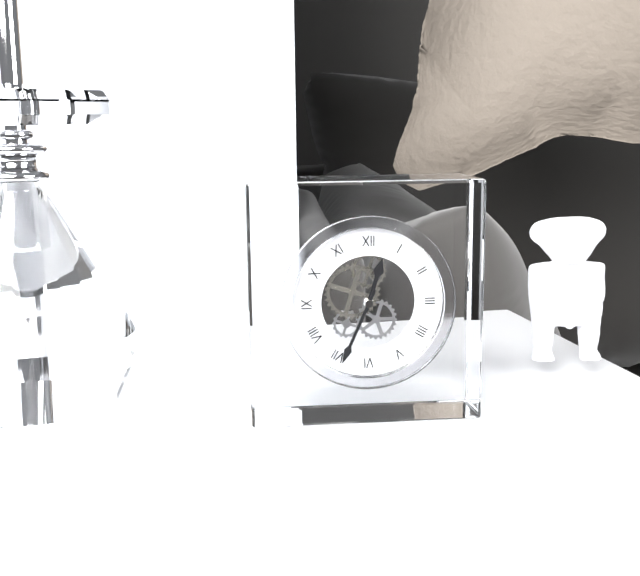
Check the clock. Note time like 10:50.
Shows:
12:34
